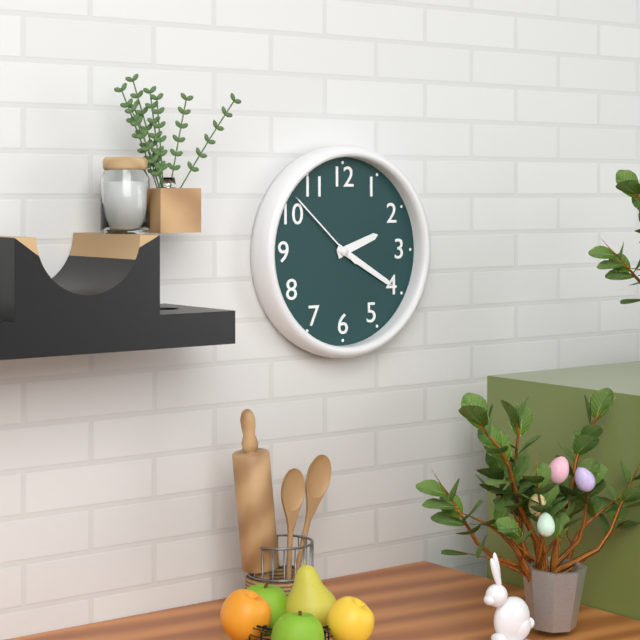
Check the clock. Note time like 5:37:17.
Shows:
2:20:52
